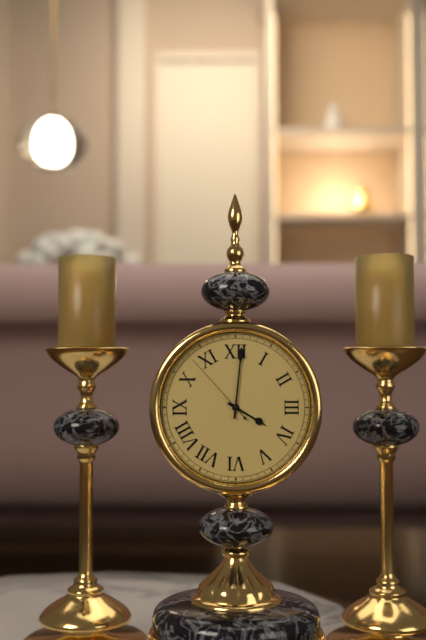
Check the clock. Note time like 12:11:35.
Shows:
4:01:53
